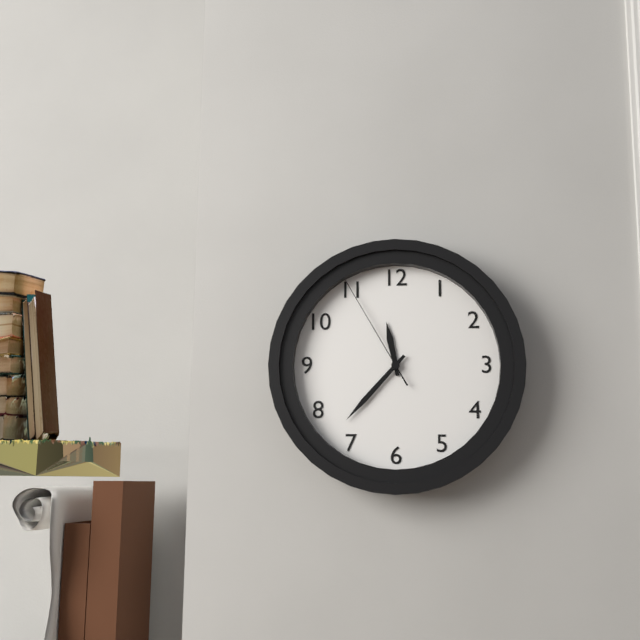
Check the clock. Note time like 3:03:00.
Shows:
11:37:55
